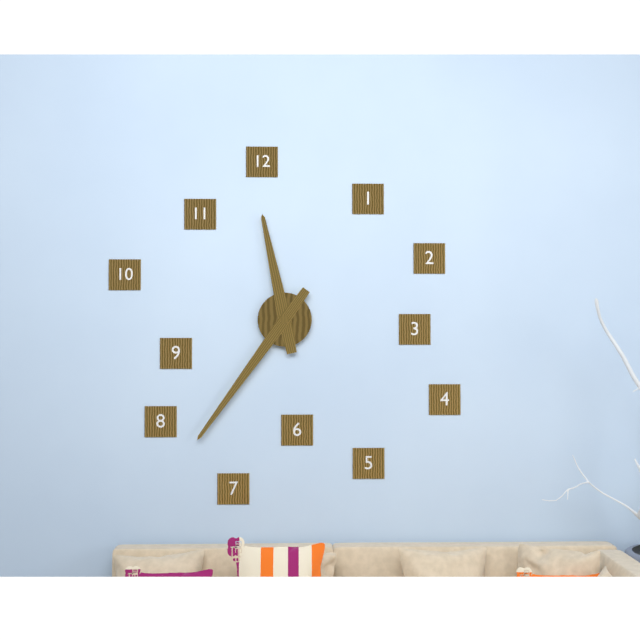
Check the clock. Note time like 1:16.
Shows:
11:36
